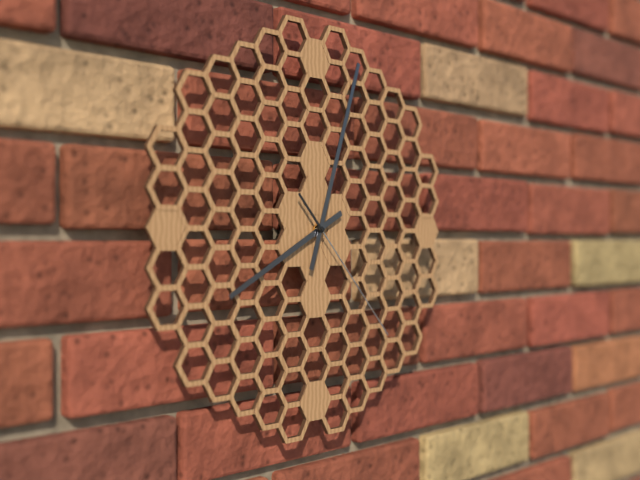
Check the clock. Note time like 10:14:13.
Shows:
8:03:23
